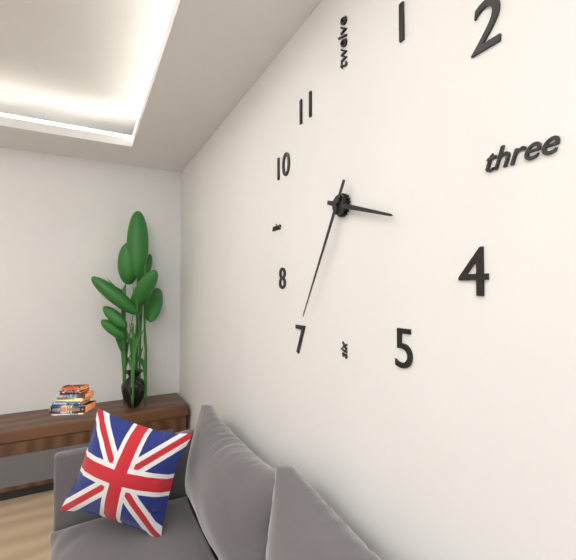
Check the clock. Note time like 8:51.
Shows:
3:35
